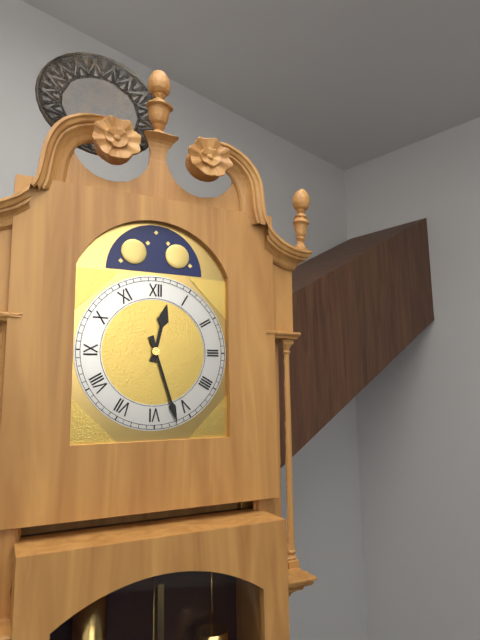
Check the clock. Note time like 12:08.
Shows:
12:27
